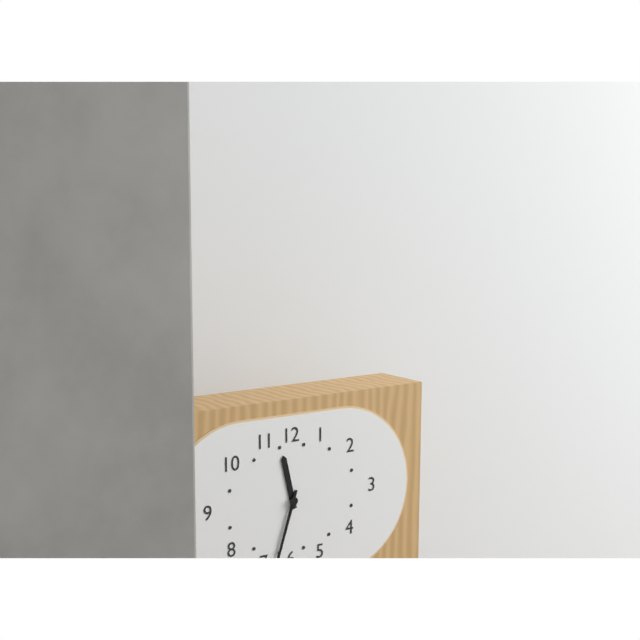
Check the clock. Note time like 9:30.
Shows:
11:33
